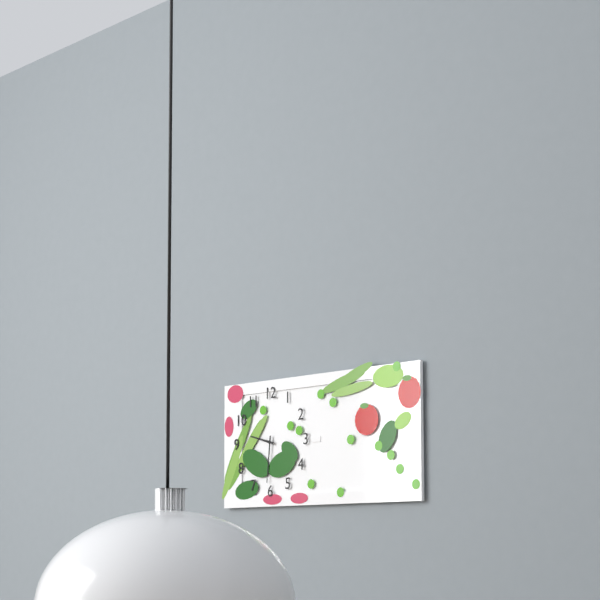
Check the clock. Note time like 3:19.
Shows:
9:31
